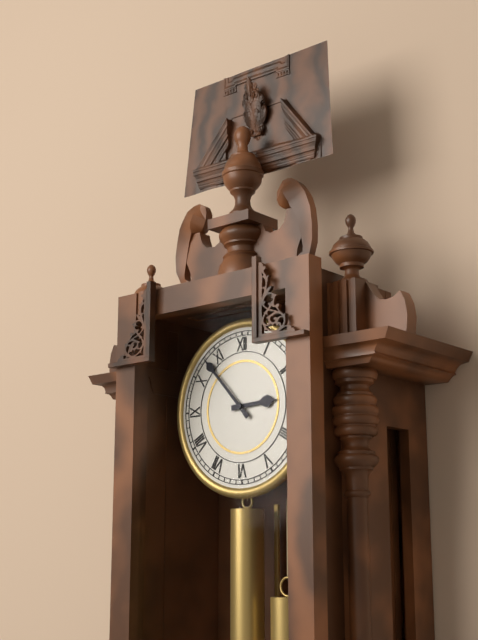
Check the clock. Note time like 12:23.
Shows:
2:53
